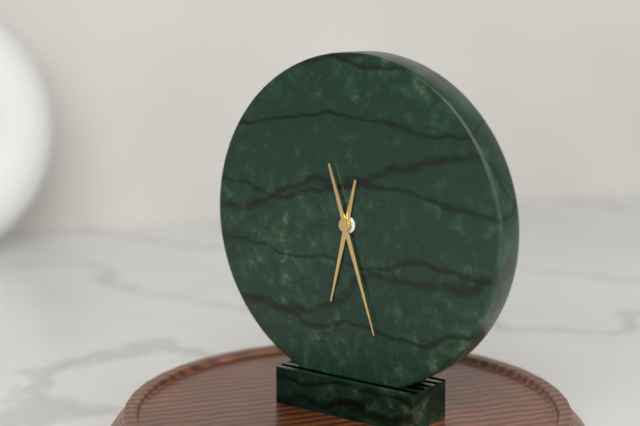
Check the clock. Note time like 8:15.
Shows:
6:27
